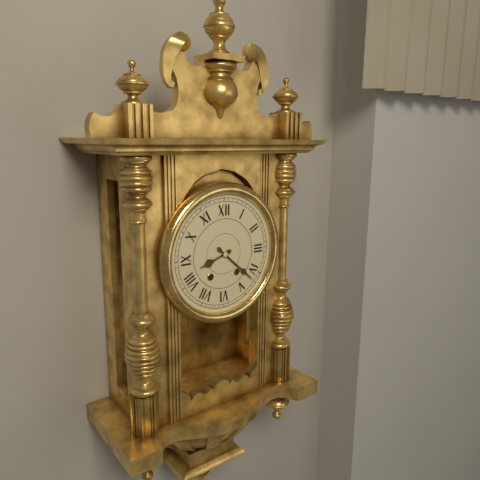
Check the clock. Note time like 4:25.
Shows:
8:22
